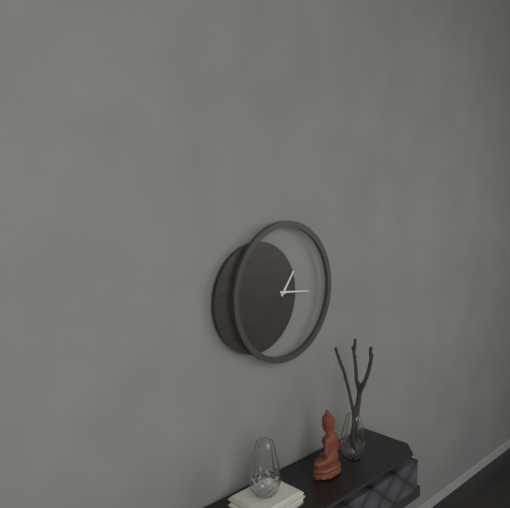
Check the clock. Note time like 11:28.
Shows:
1:16
